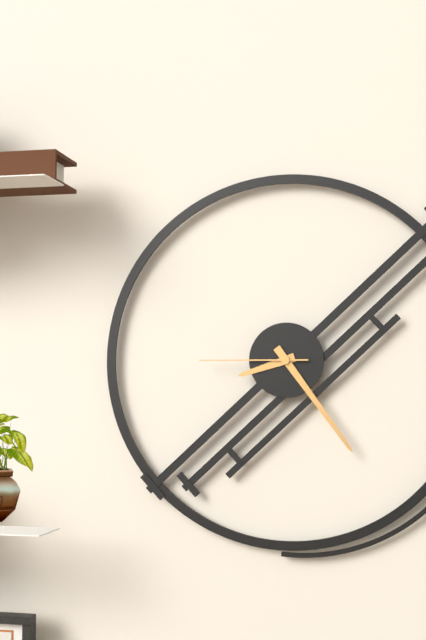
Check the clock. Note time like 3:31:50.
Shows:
8:24:45
